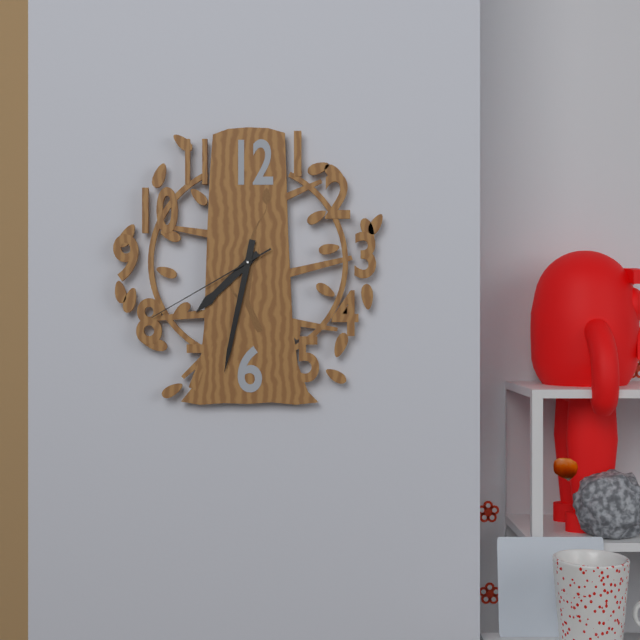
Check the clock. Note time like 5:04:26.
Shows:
7:32:40
